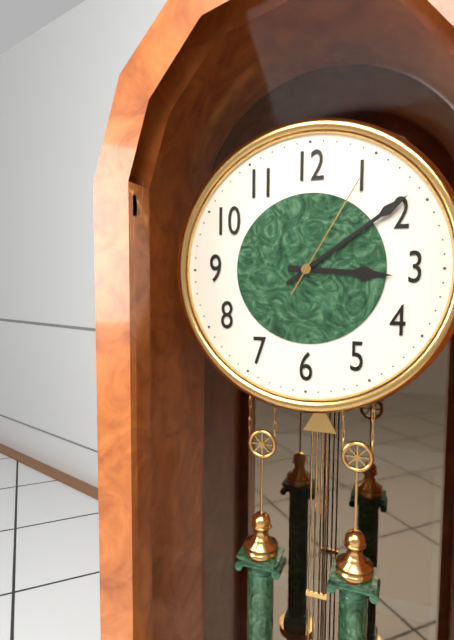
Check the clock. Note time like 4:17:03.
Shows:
3:09:05
